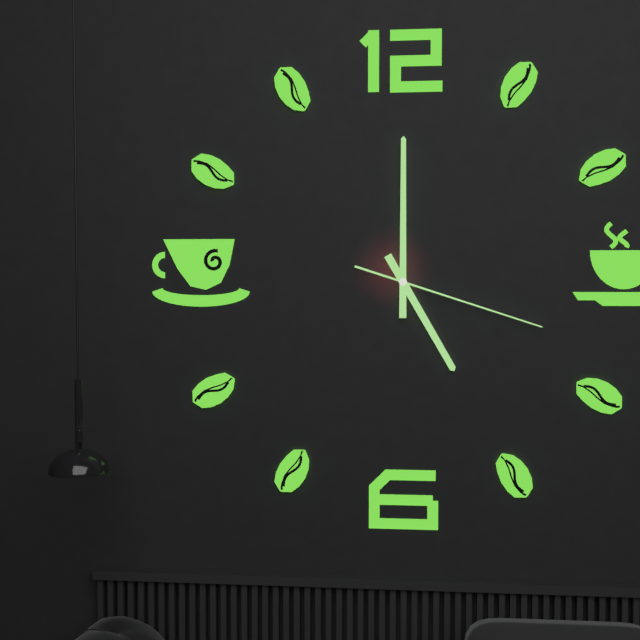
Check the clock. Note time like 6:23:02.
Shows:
5:00:18
